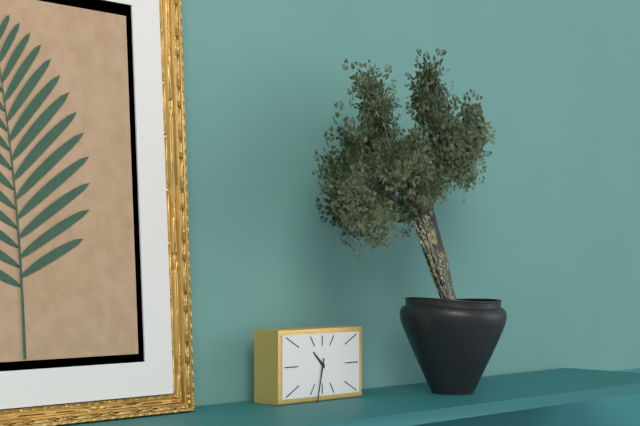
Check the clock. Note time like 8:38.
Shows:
10:32
